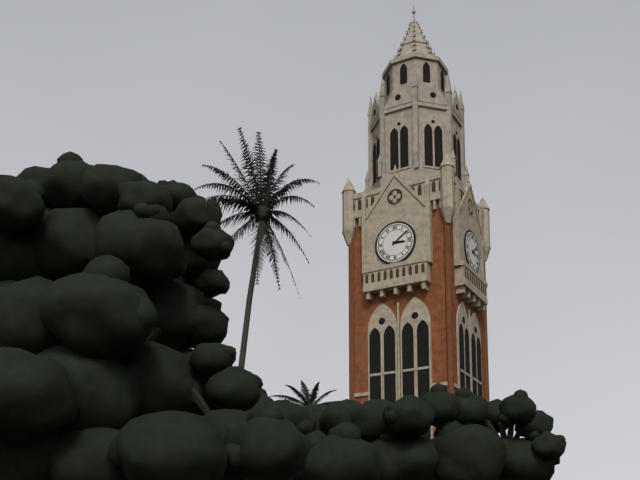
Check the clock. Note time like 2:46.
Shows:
3:09
